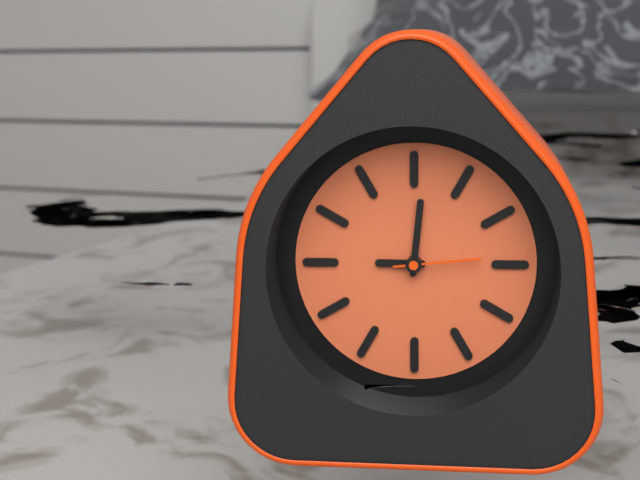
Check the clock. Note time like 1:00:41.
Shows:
9:01:14
